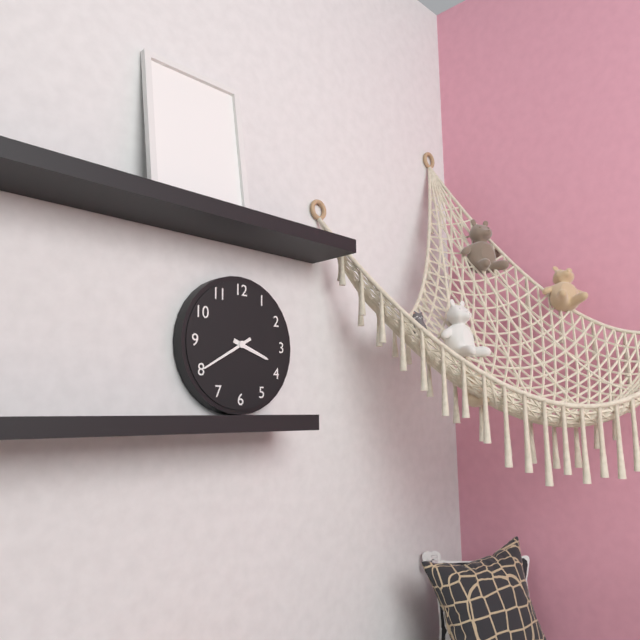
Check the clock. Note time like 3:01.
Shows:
3:40
